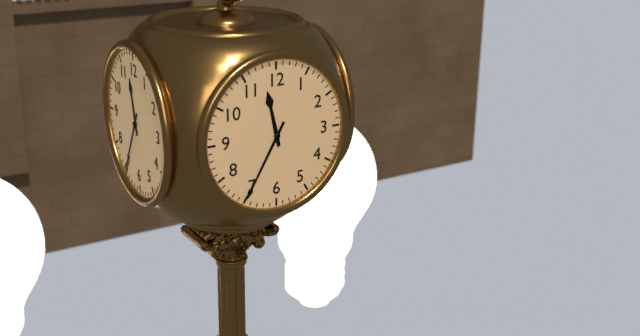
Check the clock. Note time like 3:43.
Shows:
11:35
